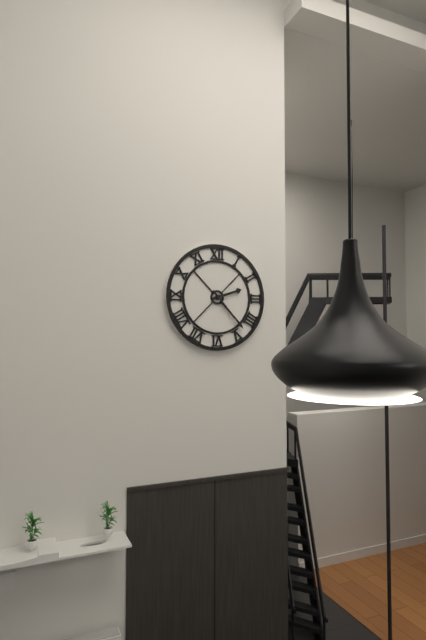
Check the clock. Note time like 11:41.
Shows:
2:23
